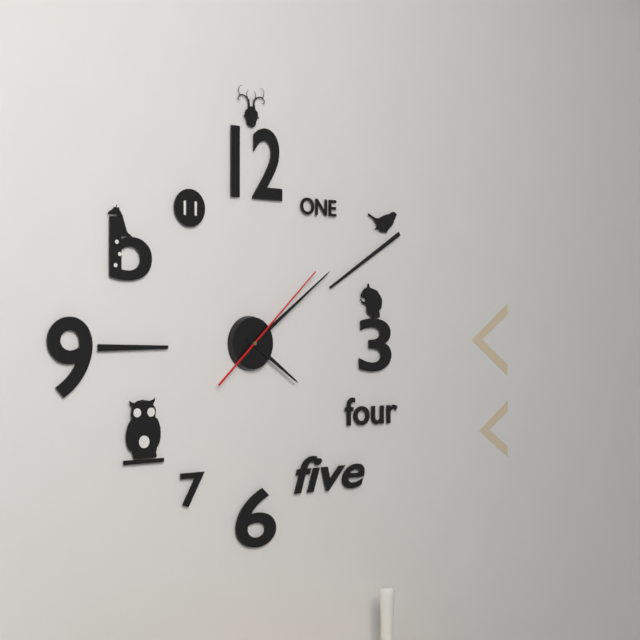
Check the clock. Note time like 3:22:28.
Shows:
4:09:08
